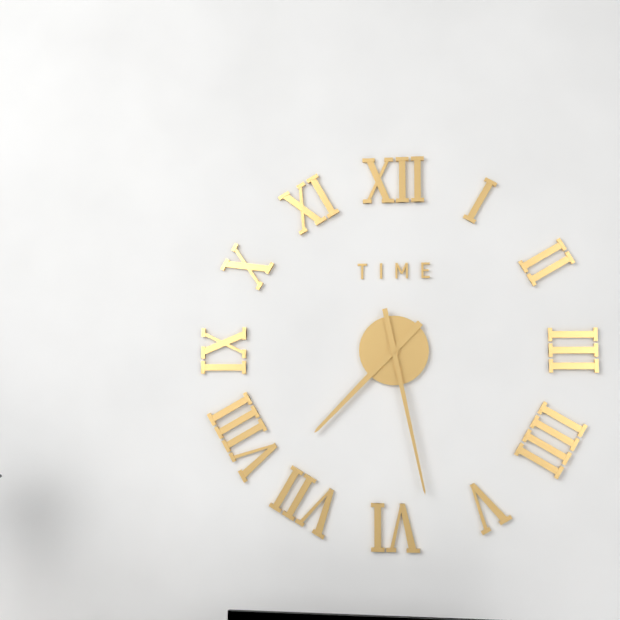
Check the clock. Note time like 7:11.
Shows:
7:28
